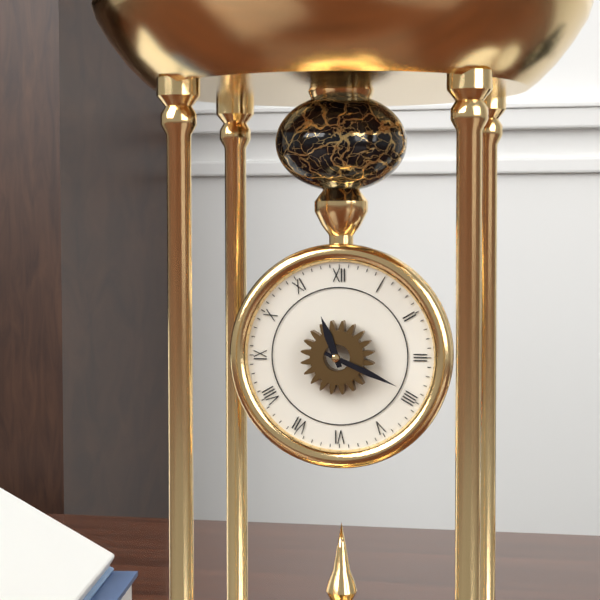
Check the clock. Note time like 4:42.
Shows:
11:19
